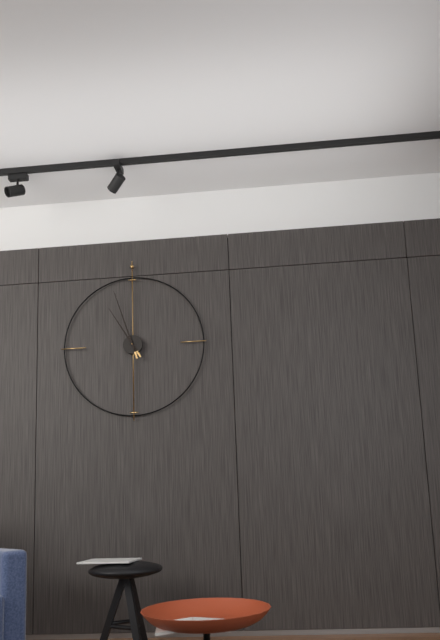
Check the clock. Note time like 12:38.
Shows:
10:57
